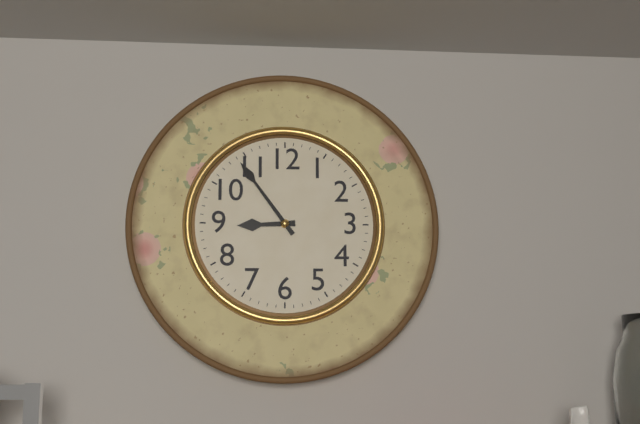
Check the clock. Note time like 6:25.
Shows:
8:54
